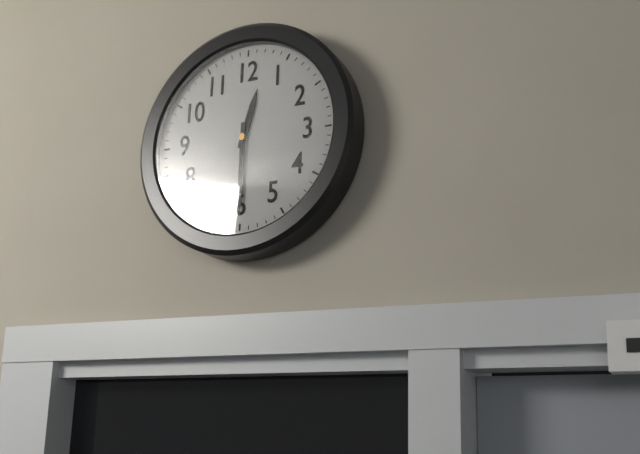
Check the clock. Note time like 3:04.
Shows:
12:30
